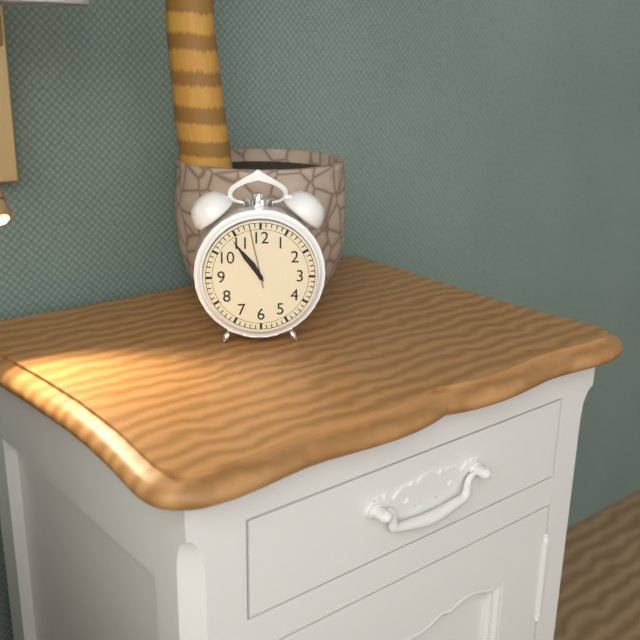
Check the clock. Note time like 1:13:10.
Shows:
10:54:58
